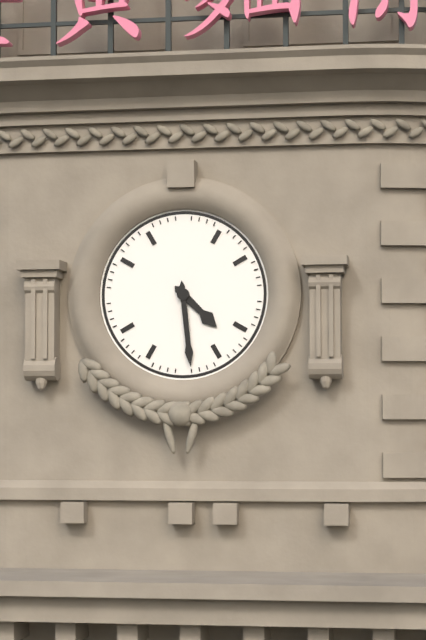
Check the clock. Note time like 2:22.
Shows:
4:29
